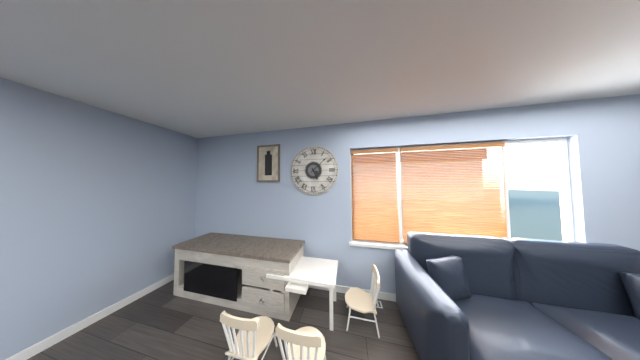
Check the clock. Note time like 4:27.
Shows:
5:08
